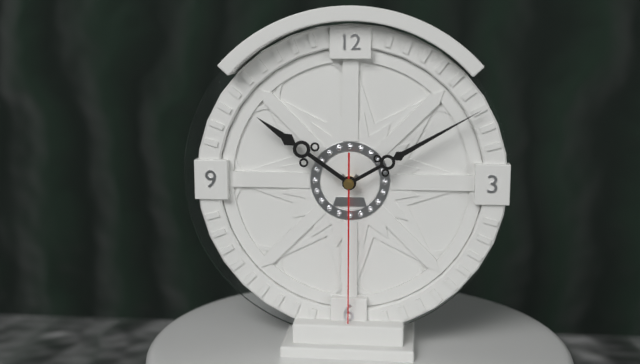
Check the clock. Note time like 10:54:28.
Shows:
10:10:30
